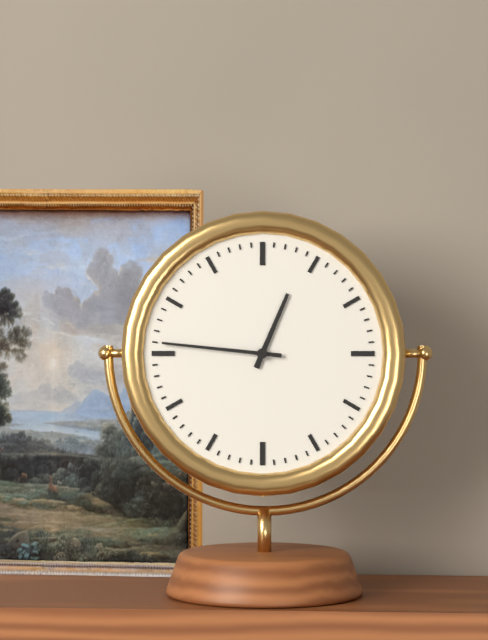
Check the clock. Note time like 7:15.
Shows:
12:46
